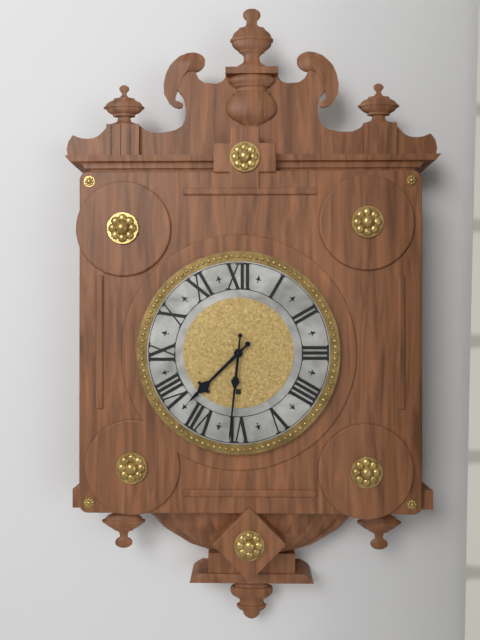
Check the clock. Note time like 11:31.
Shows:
7:31
